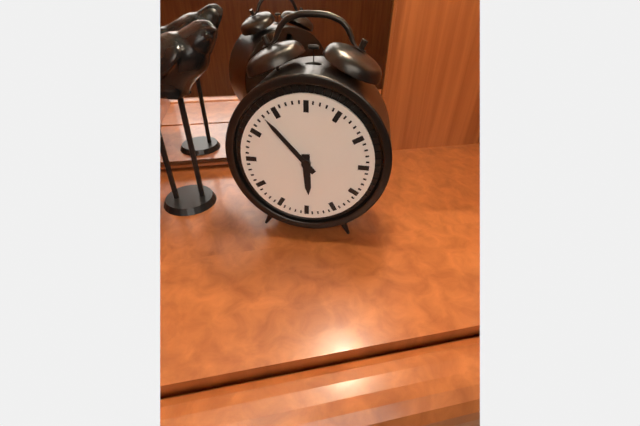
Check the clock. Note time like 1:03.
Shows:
5:53
